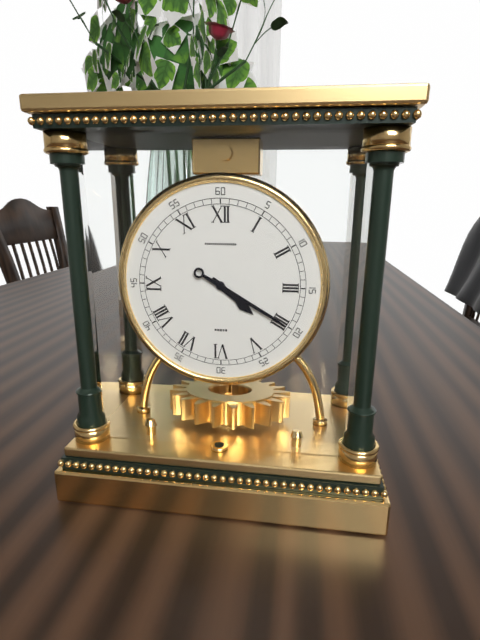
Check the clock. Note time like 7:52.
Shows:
4:20
